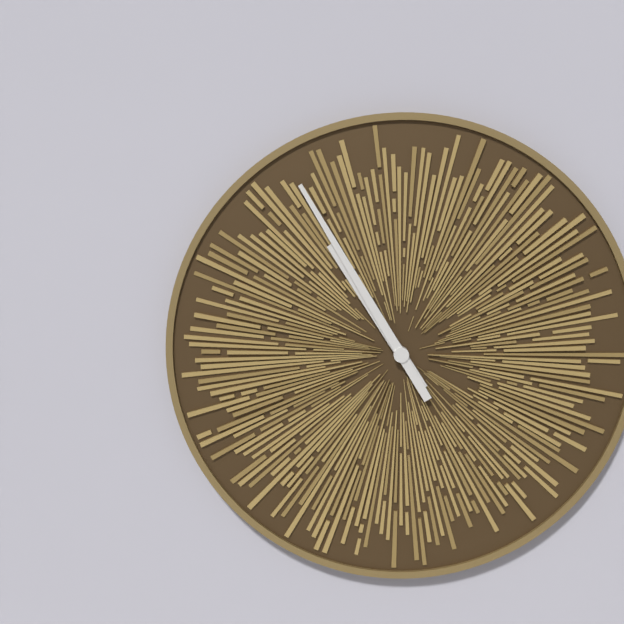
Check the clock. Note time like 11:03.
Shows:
10:55
